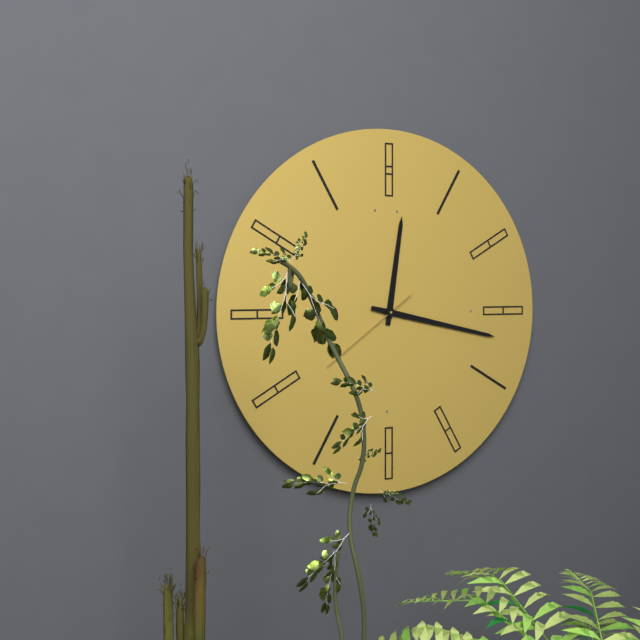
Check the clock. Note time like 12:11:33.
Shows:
12:17:39
